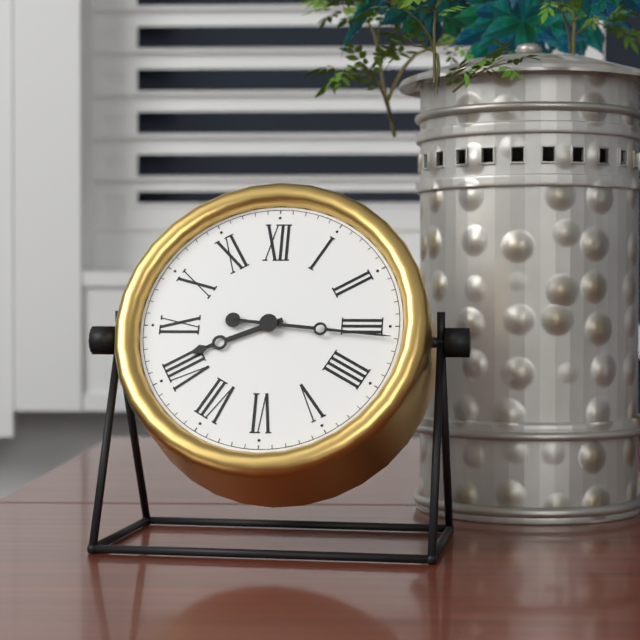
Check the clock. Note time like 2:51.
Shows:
8:16
